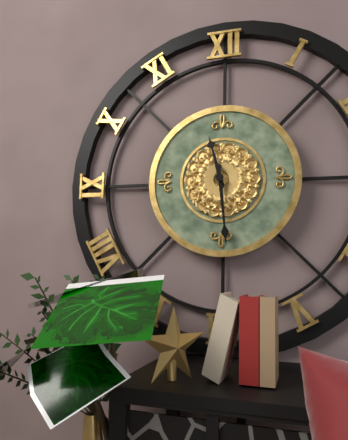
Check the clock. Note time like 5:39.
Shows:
11:29
